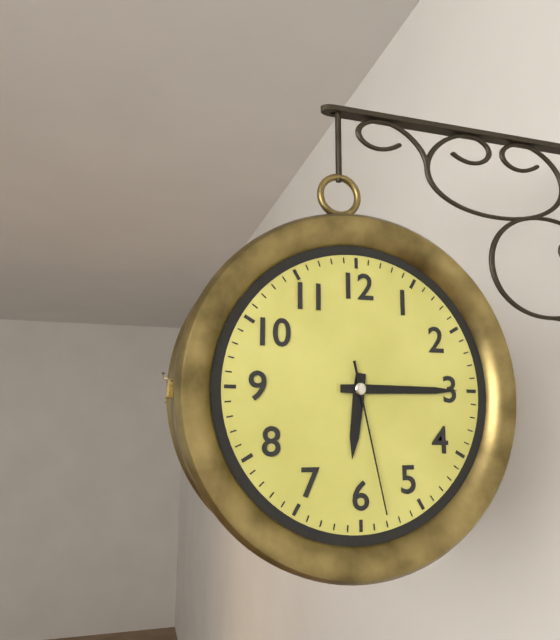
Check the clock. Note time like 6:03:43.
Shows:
6:15:28
